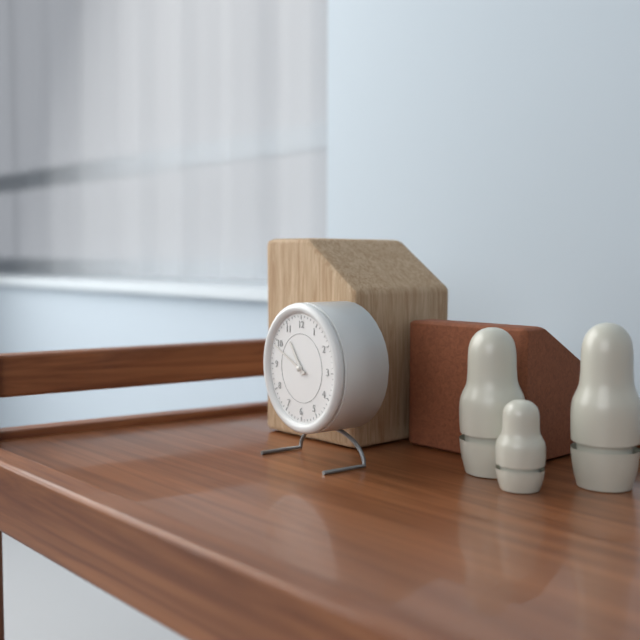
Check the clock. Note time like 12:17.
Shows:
10:49
